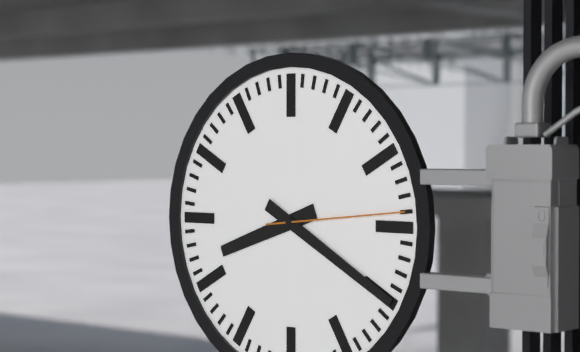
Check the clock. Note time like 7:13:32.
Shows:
8:20:14
